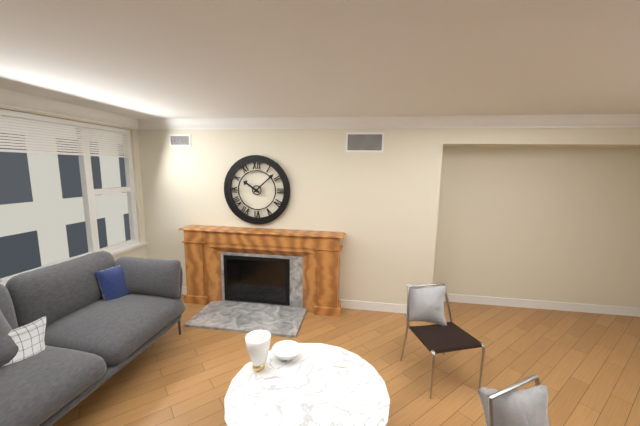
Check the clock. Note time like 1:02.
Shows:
10:08
